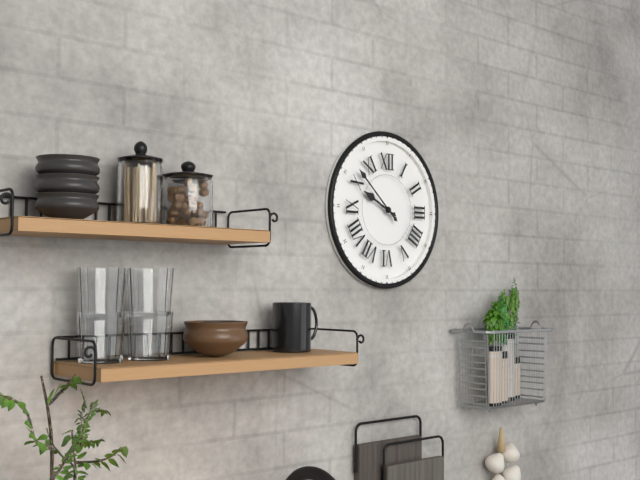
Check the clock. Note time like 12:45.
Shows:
9:52
